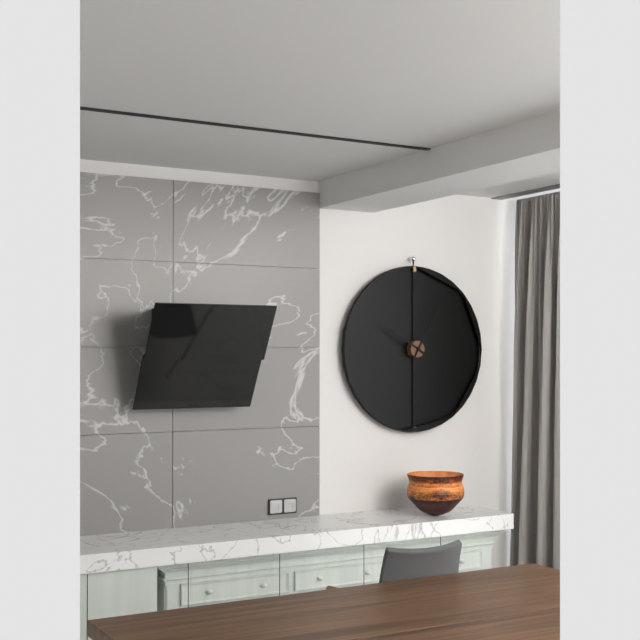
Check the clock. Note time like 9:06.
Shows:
10:05
